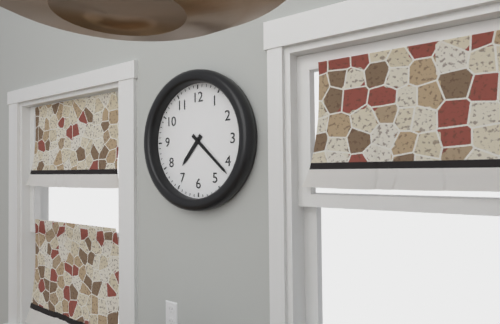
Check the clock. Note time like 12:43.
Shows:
7:22
